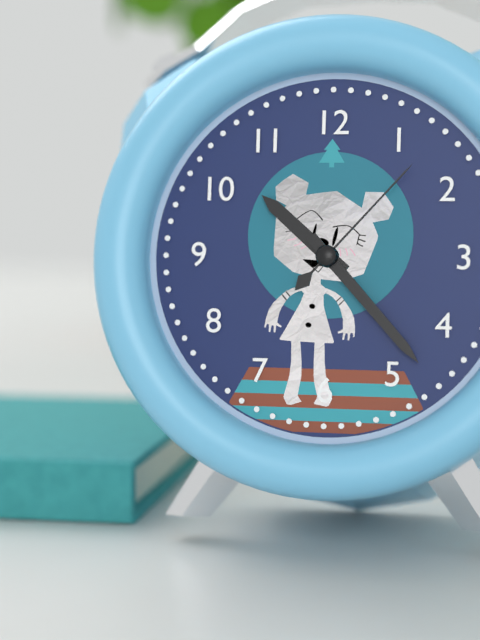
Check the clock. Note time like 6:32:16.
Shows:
10:23:07
